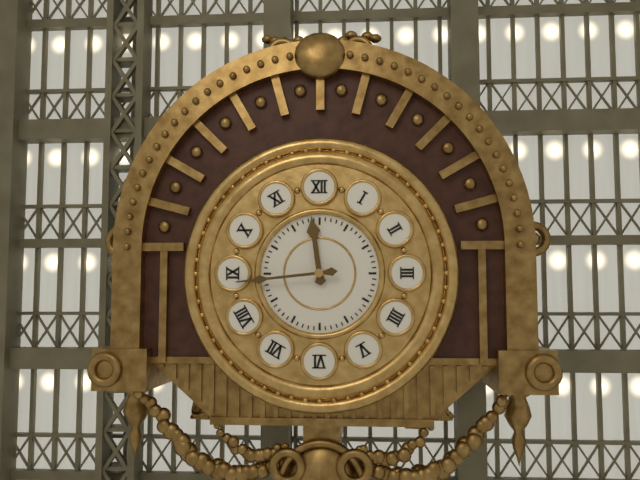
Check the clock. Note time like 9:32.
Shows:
11:44
